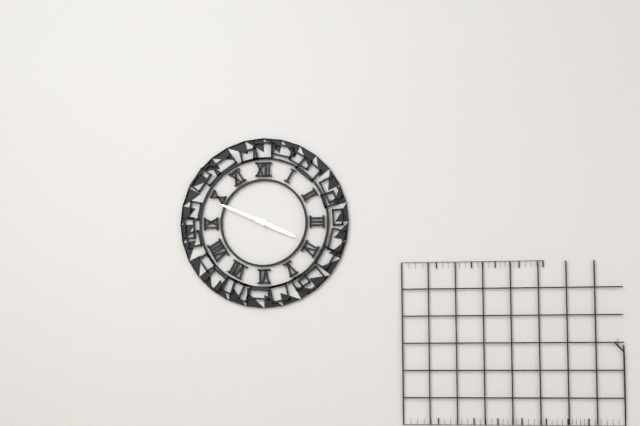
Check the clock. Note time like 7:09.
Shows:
3:49
